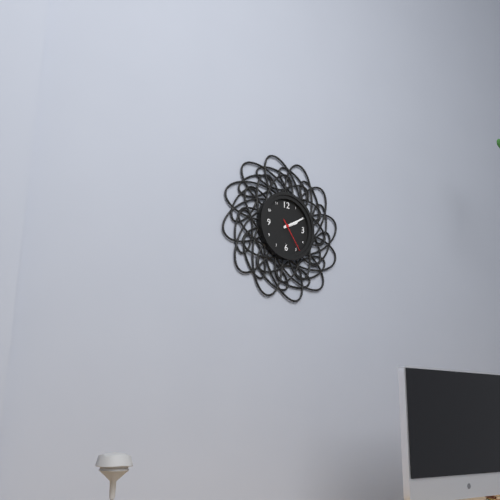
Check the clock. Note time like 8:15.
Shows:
2:10
